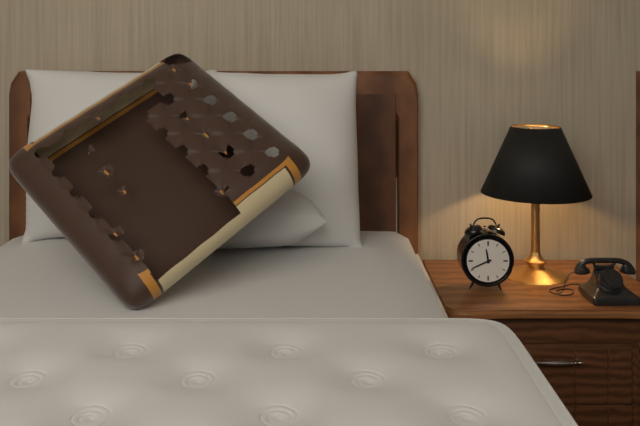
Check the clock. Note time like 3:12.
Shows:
11:41
